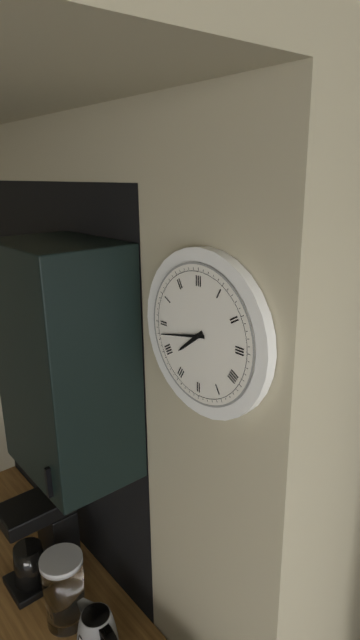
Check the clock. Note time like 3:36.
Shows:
7:43
